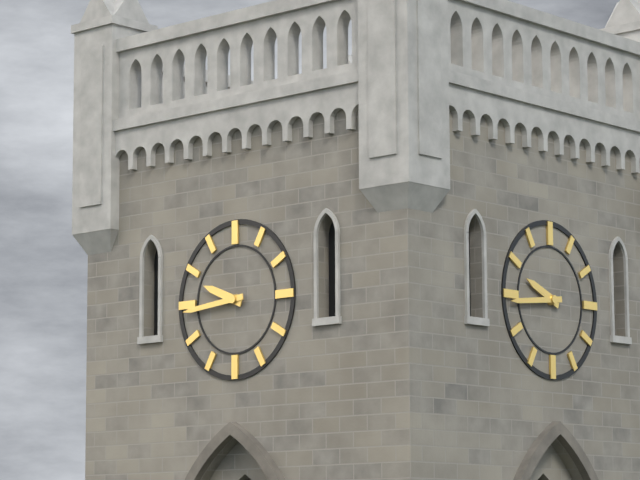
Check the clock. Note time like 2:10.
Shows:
9:44
